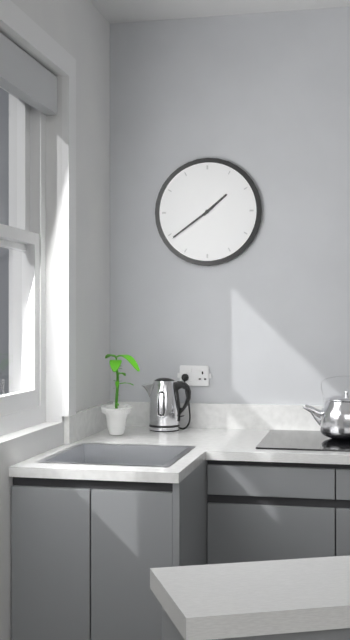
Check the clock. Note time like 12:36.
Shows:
1:39
